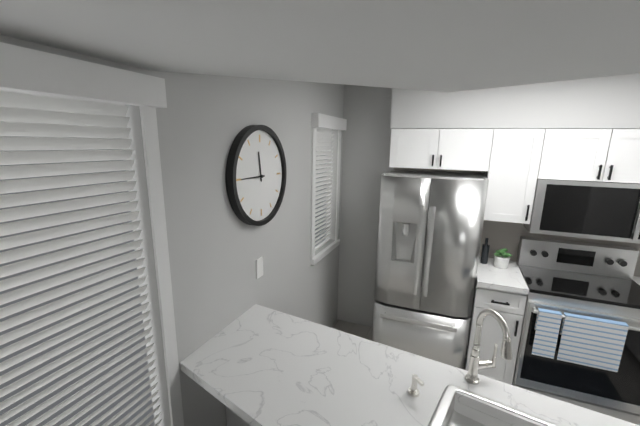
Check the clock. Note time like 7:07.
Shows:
11:45
